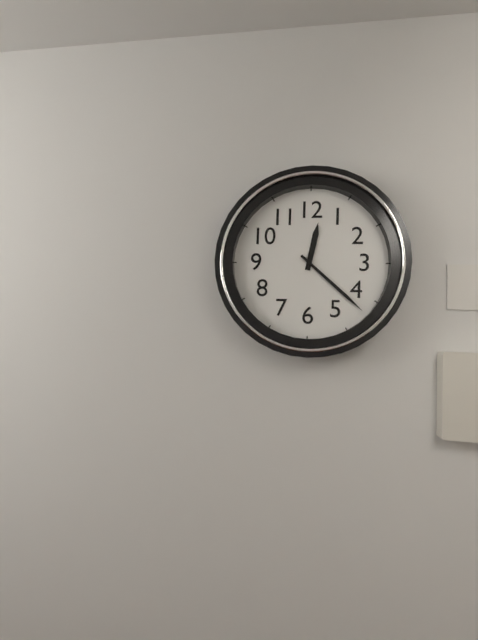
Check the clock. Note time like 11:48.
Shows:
12:22
